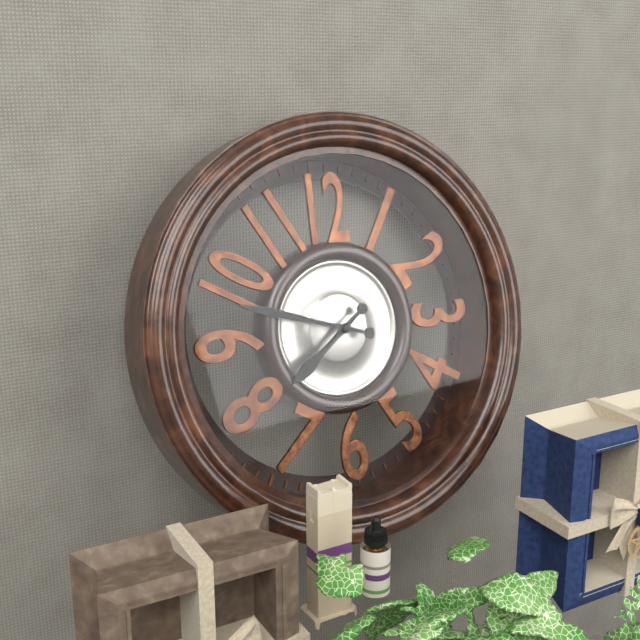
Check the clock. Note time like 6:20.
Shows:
7:48
